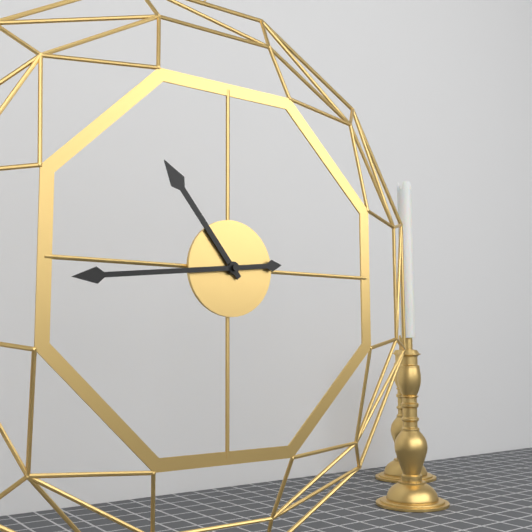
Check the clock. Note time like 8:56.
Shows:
10:44
